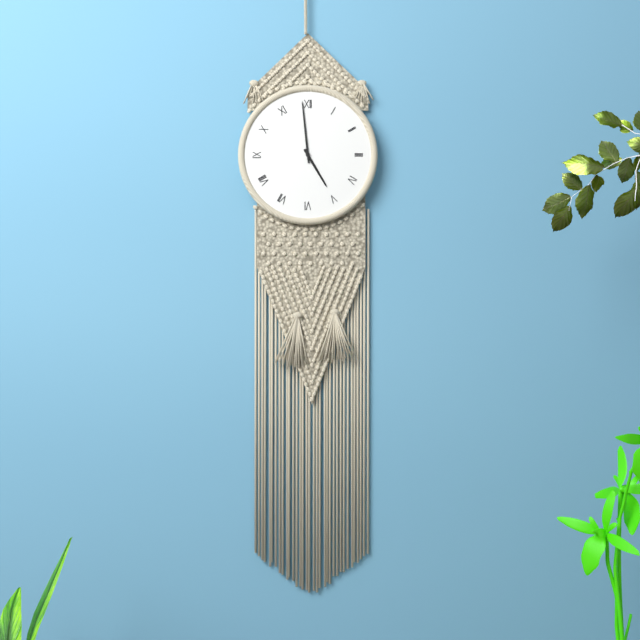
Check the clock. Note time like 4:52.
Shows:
4:59
